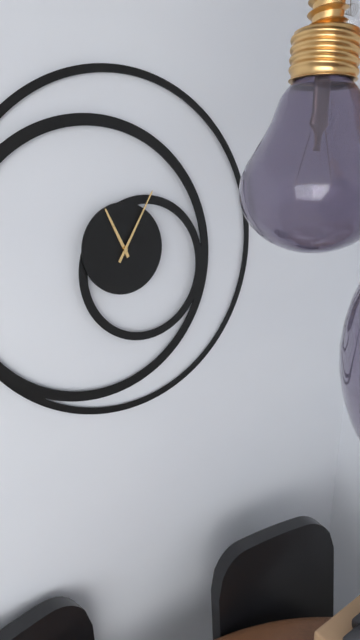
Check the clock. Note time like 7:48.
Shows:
11:05
